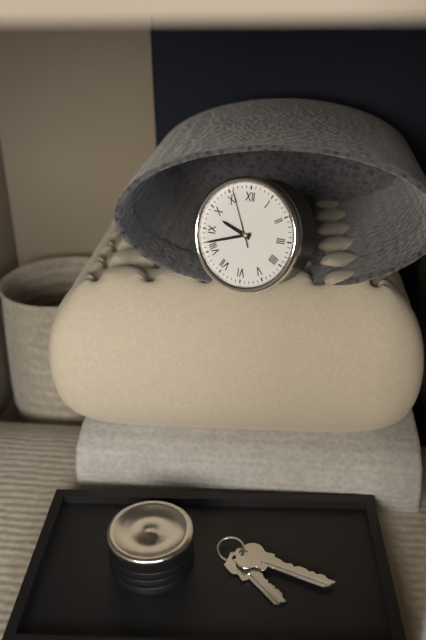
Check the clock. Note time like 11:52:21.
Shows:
9:42:56
